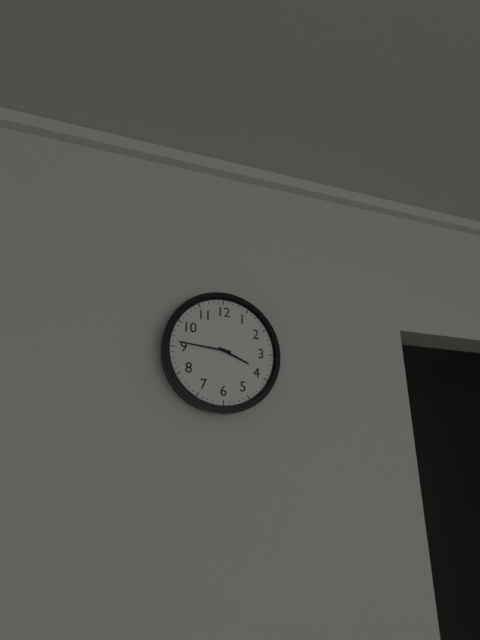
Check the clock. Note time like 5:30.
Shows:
3:46
